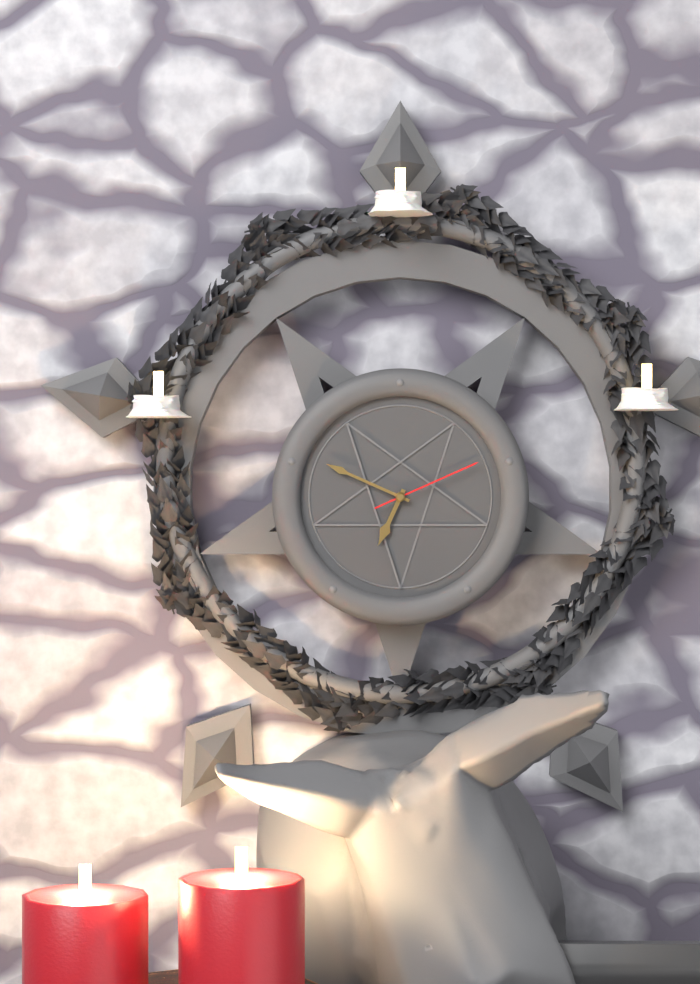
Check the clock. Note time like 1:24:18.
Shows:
6:49:11
